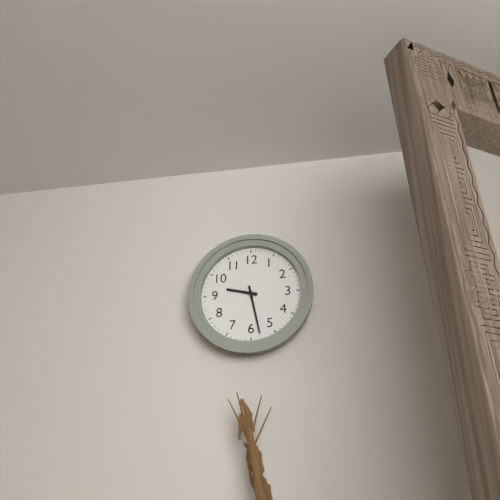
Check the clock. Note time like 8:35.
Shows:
9:28
